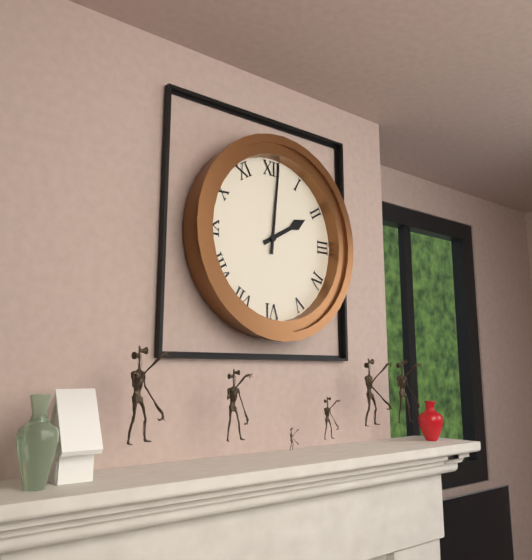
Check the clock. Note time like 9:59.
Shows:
2:01
